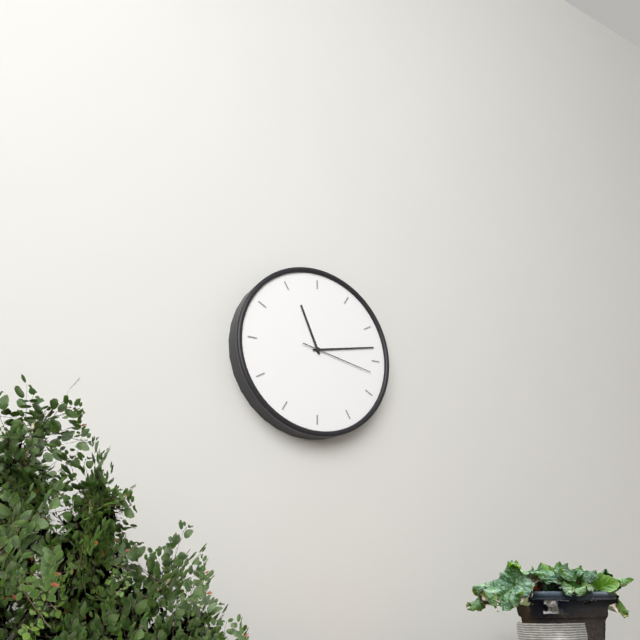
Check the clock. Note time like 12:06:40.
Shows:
11:13:17
